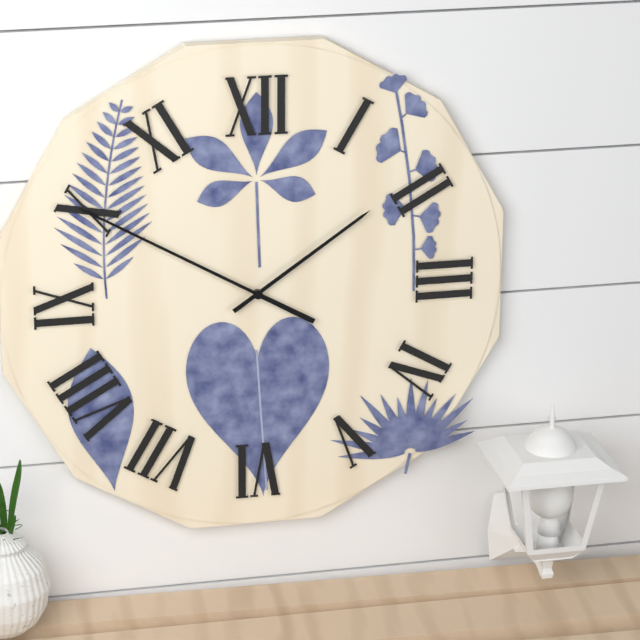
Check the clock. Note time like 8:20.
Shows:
1:50
